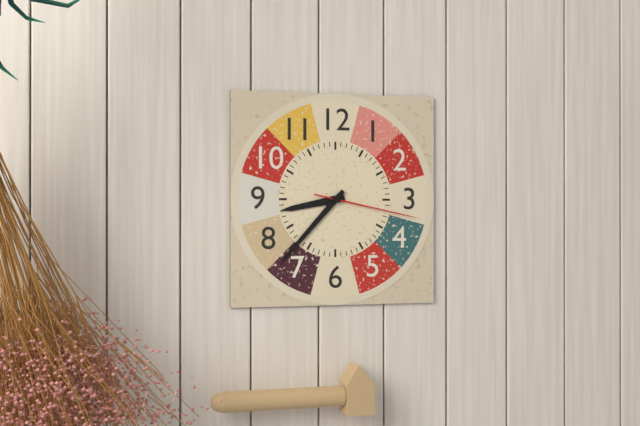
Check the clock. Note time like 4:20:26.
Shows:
8:37:17
